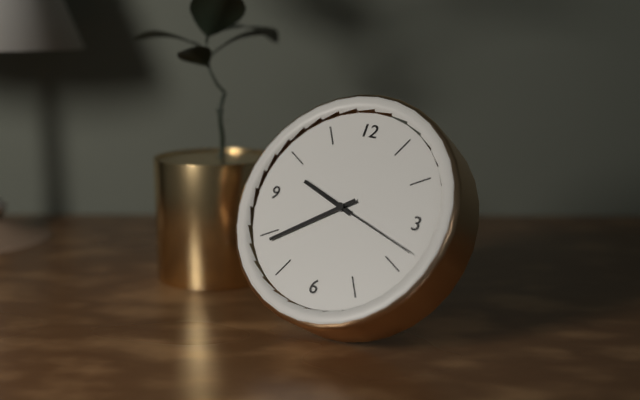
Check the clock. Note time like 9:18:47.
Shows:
9:39:18
